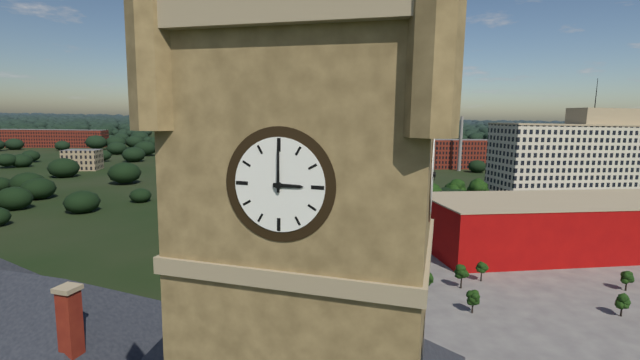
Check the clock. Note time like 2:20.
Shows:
3:00
